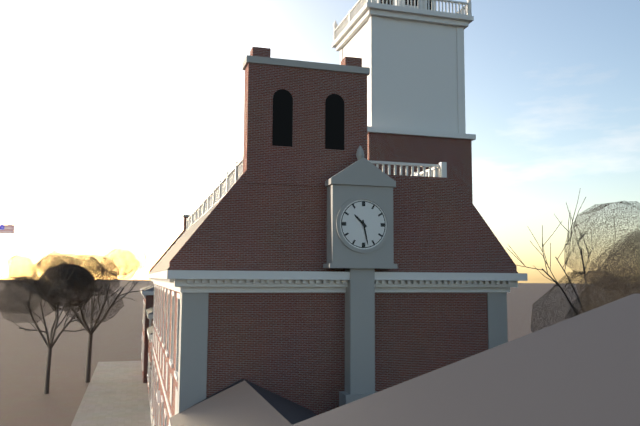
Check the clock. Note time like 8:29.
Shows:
10:28
